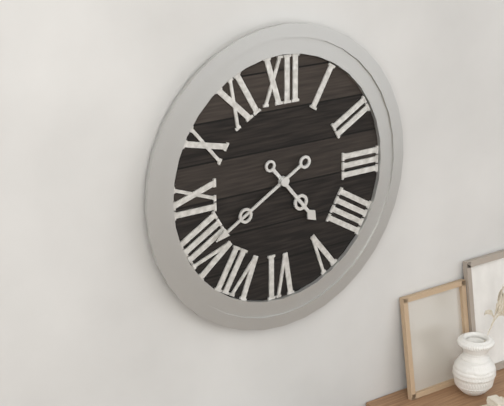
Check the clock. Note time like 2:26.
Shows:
4:40
